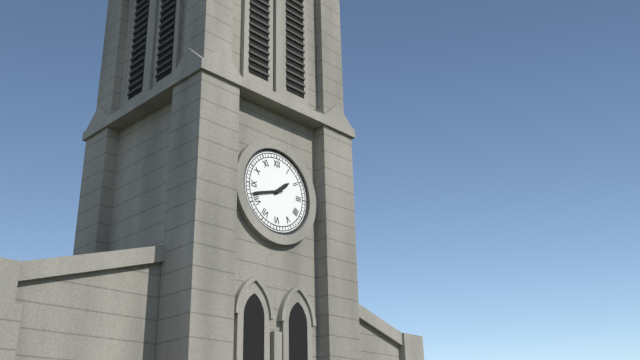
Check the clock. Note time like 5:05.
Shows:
1:42
